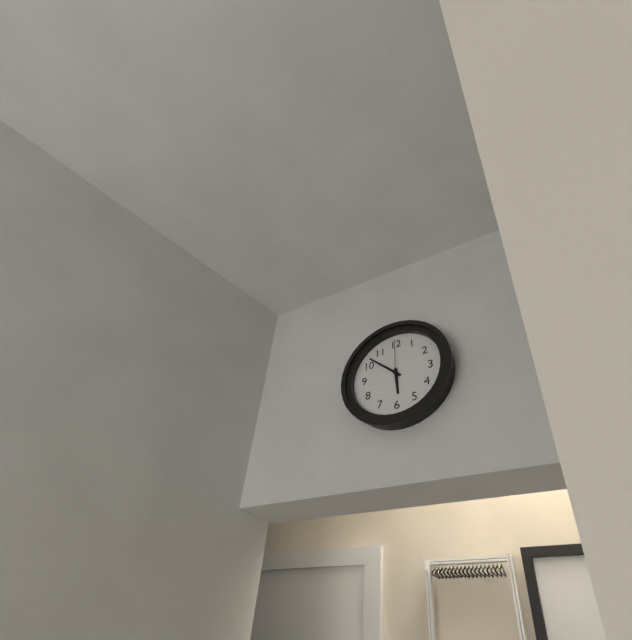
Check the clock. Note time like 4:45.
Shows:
5:52
